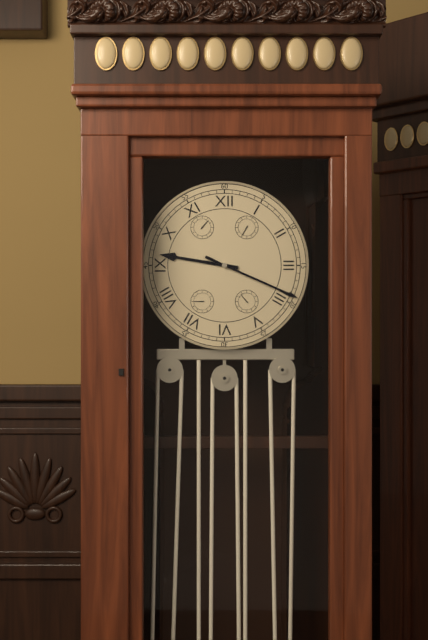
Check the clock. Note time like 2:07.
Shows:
9:19
